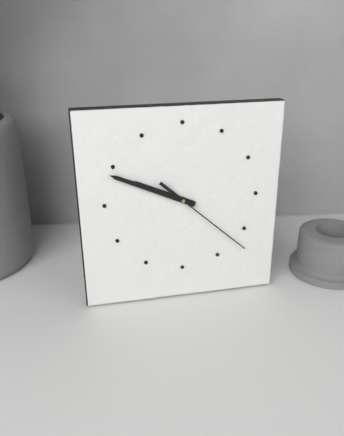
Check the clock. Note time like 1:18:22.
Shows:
9:49:22
